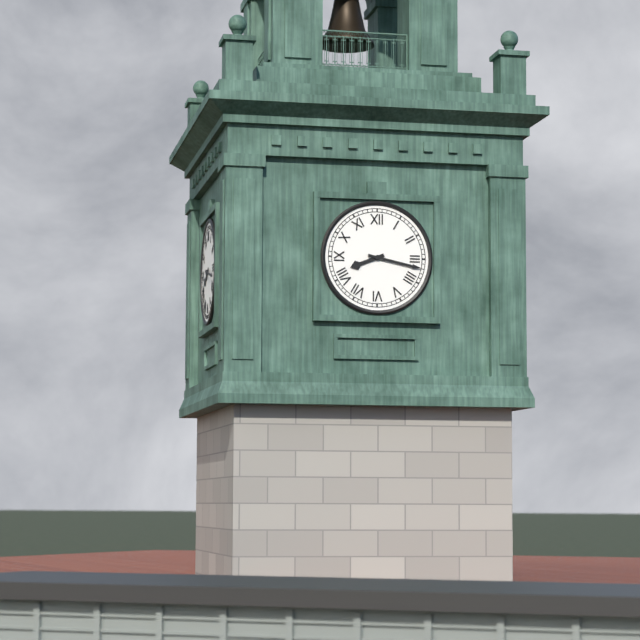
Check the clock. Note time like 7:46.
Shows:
8:17
